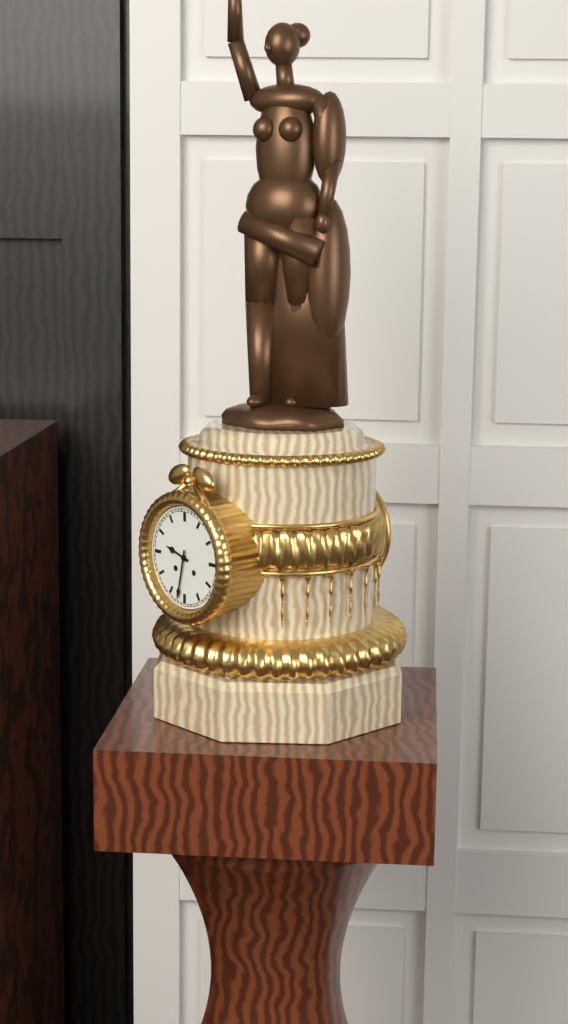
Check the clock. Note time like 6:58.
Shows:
9:32
